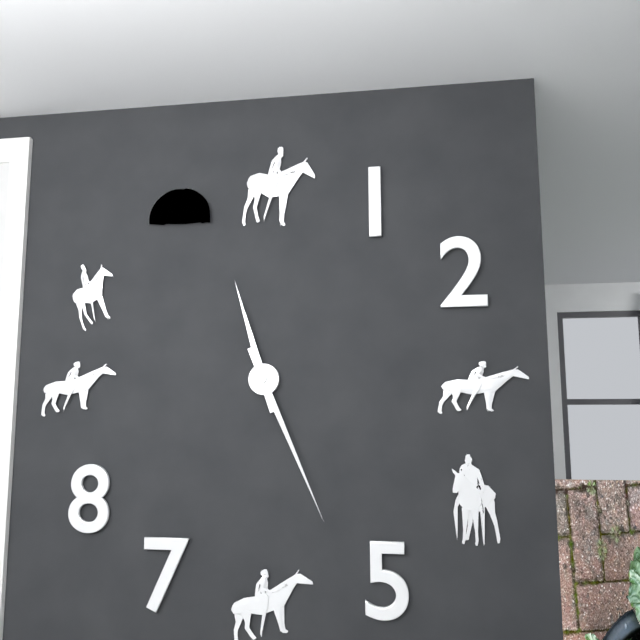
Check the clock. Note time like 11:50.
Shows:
11:26
